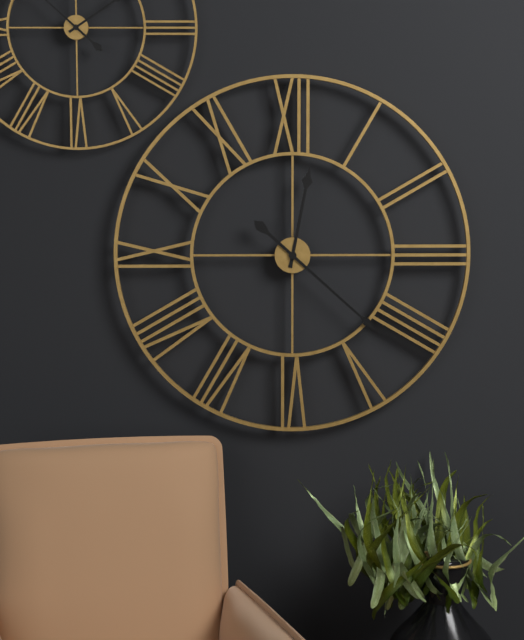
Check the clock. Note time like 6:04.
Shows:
12:22
